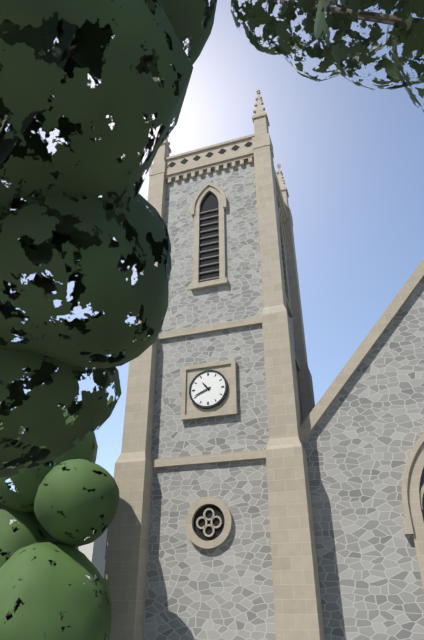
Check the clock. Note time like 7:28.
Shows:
10:41
